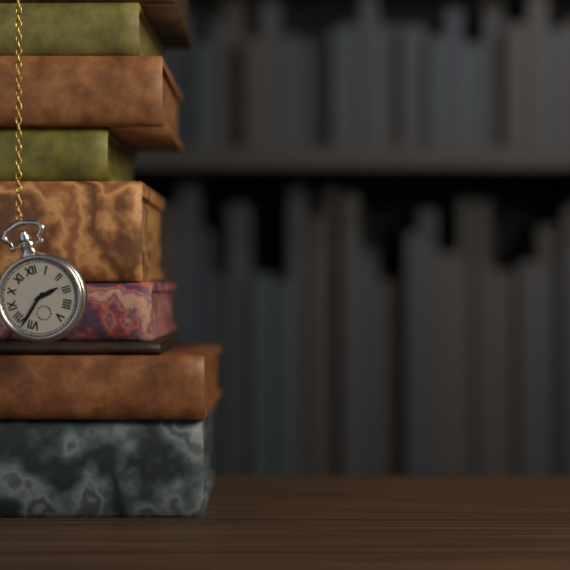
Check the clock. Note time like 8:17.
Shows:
2:38
